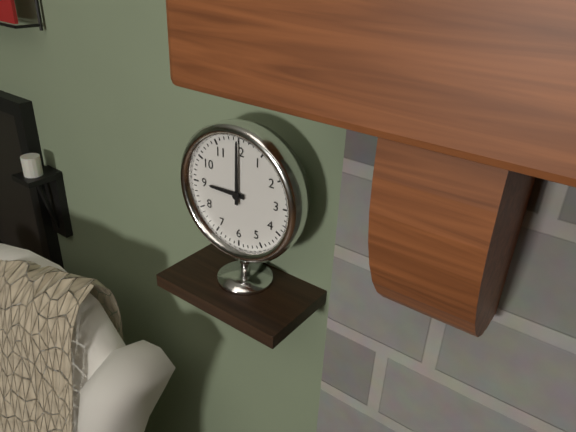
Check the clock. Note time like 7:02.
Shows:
9:00
